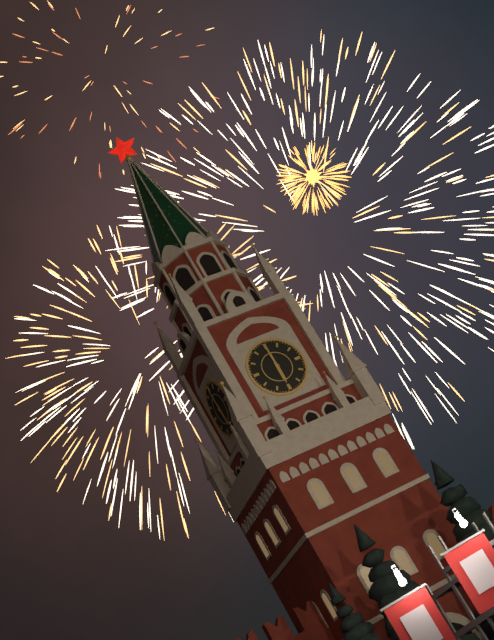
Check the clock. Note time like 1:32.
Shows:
6:00
